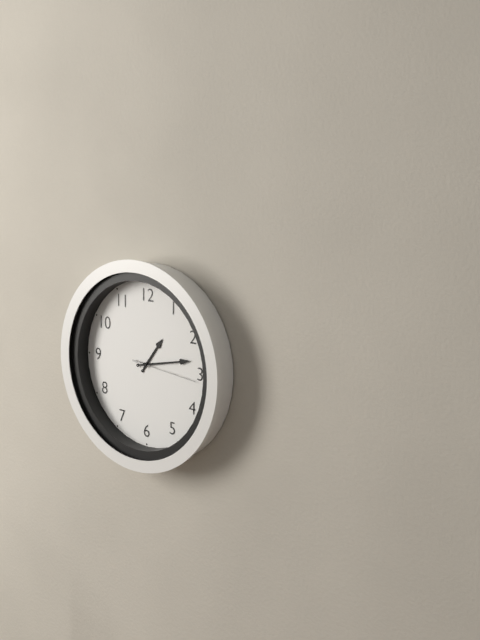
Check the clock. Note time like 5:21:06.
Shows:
1:13:16
